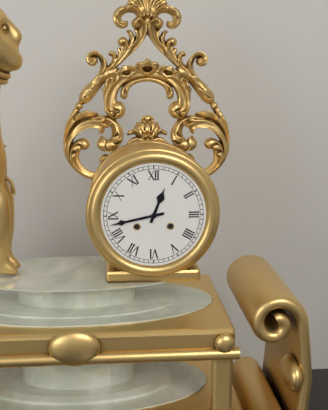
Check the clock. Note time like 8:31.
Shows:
12:43
